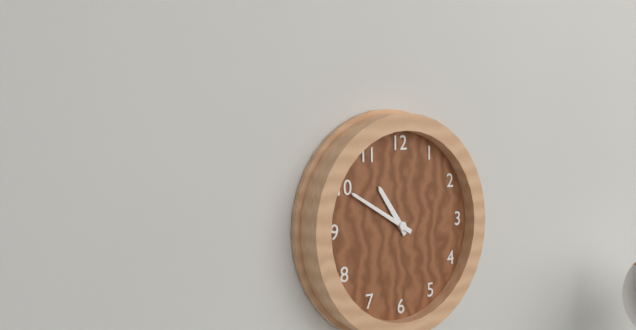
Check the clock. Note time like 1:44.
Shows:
10:50
